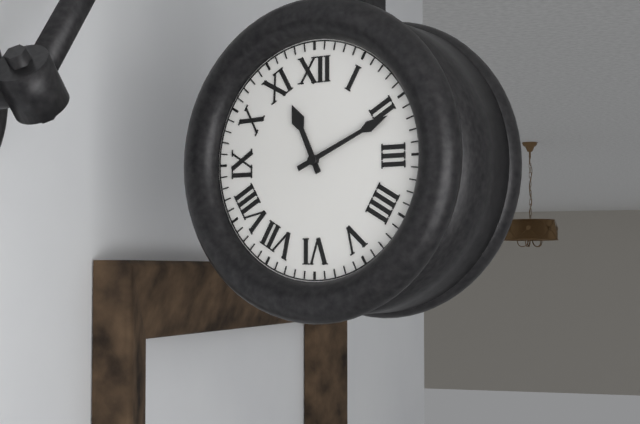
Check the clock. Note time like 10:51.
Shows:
11:11
